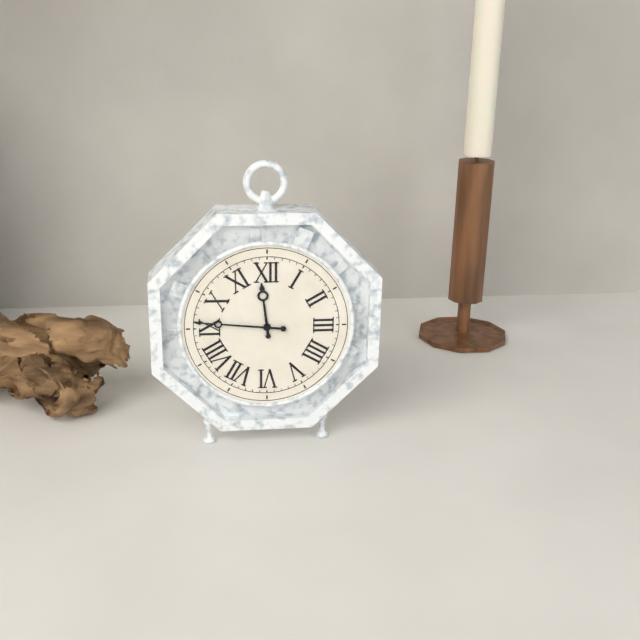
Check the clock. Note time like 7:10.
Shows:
11:46
